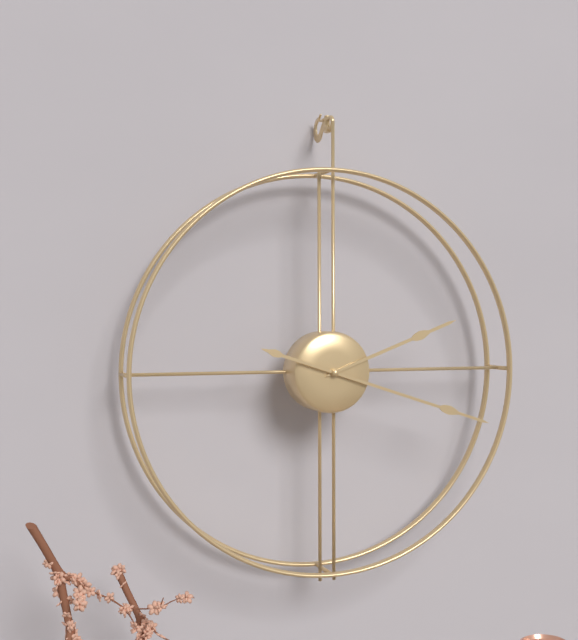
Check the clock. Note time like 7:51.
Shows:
2:18
